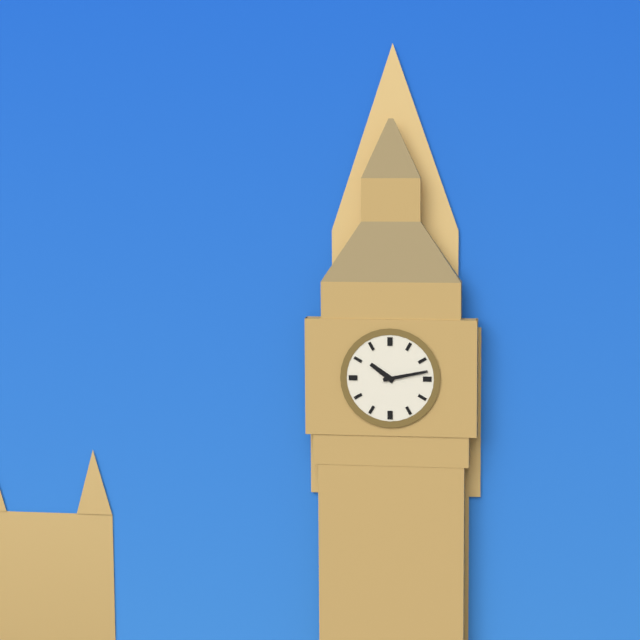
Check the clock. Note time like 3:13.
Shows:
10:13
